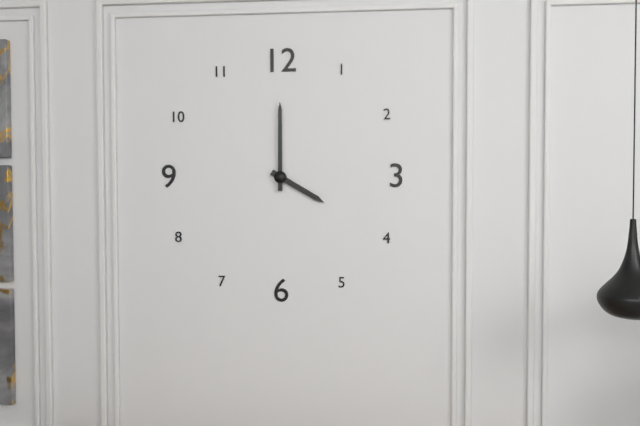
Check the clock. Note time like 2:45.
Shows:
4:00
